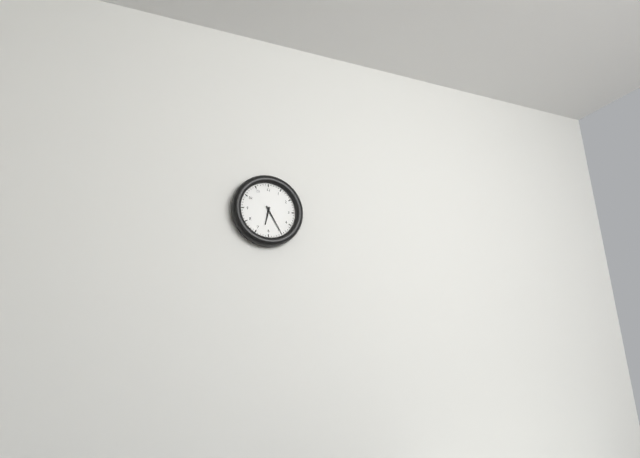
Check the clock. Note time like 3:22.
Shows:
6:25
